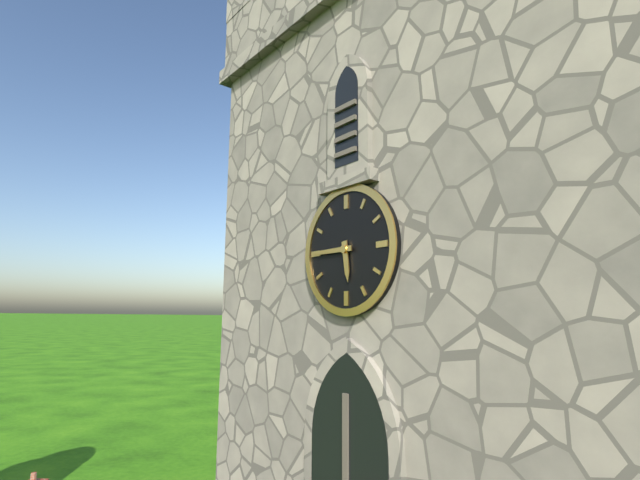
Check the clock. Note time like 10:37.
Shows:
5:45
